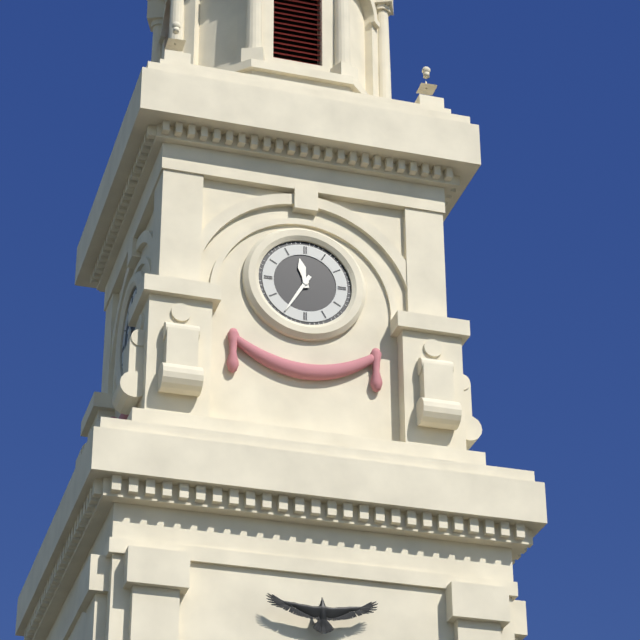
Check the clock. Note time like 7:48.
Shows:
11:35
